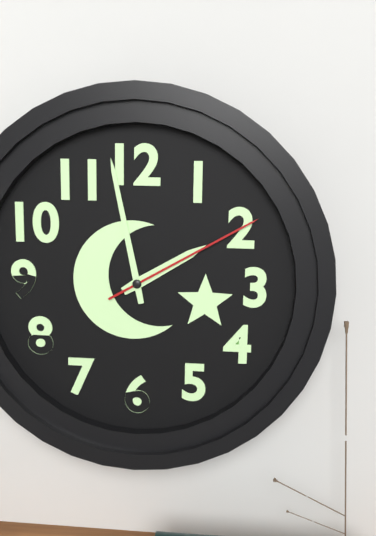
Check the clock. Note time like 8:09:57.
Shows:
1:58:10
